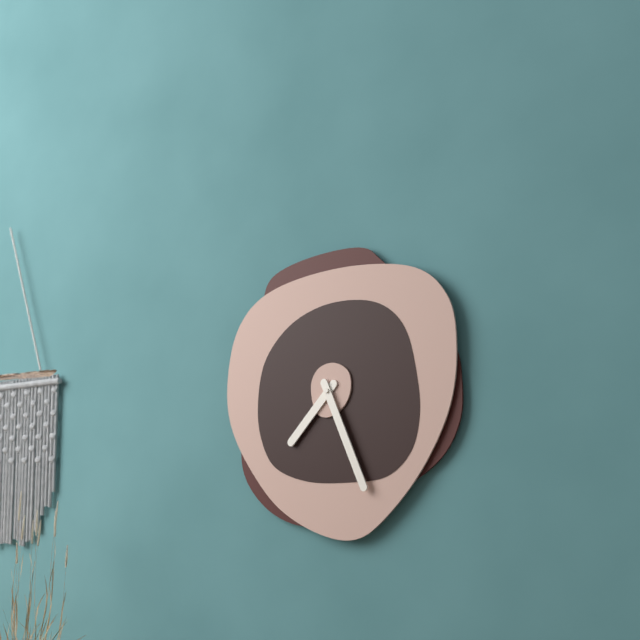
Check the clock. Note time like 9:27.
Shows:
7:26
